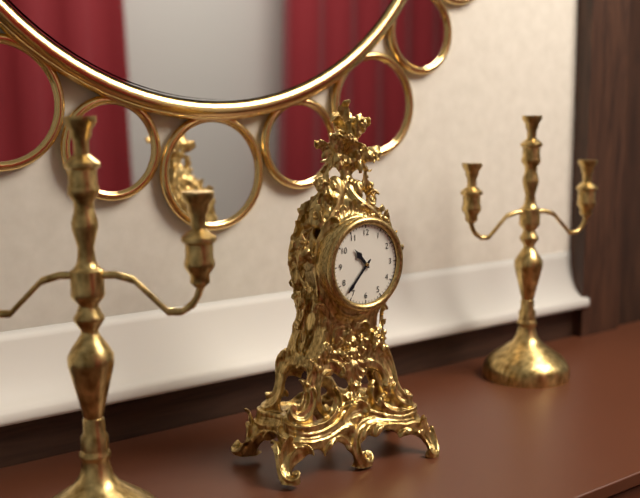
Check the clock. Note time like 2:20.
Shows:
10:37
